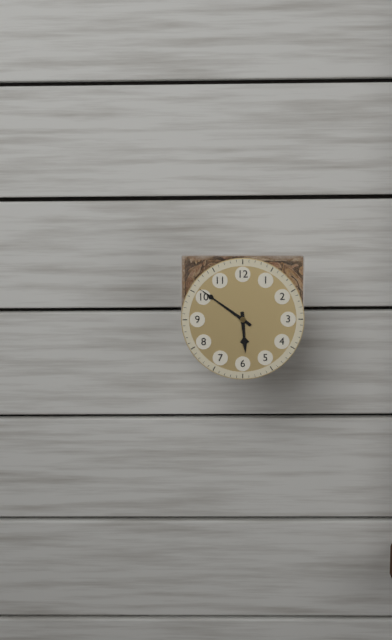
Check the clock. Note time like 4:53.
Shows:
5:51
